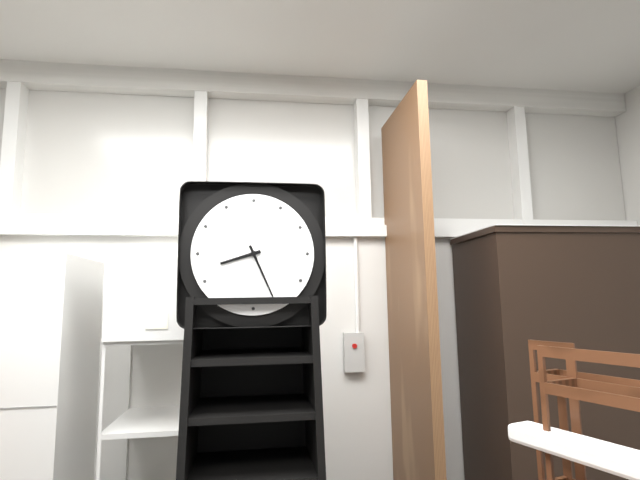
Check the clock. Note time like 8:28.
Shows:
8:26
